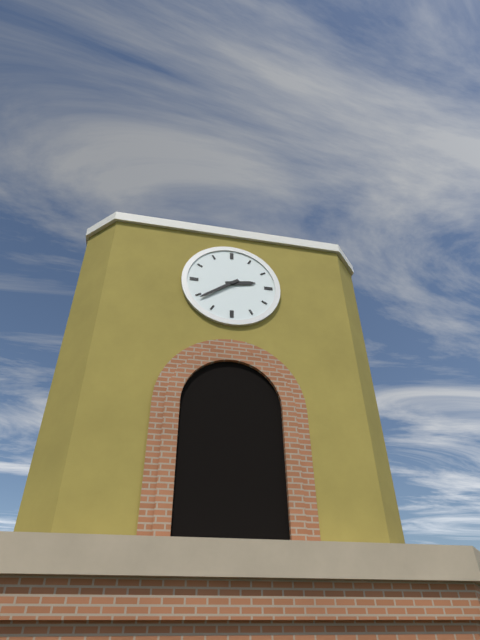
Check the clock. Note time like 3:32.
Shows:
2:39
